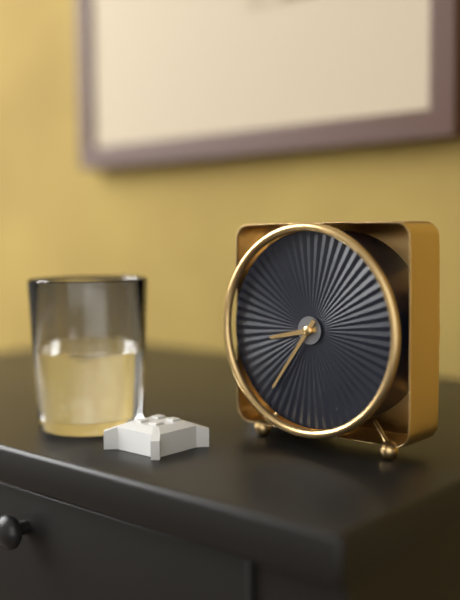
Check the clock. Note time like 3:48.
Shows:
8:36
